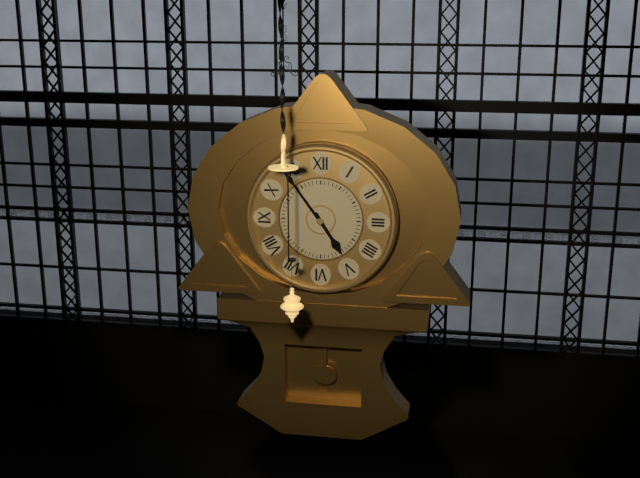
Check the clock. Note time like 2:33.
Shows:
4:54
